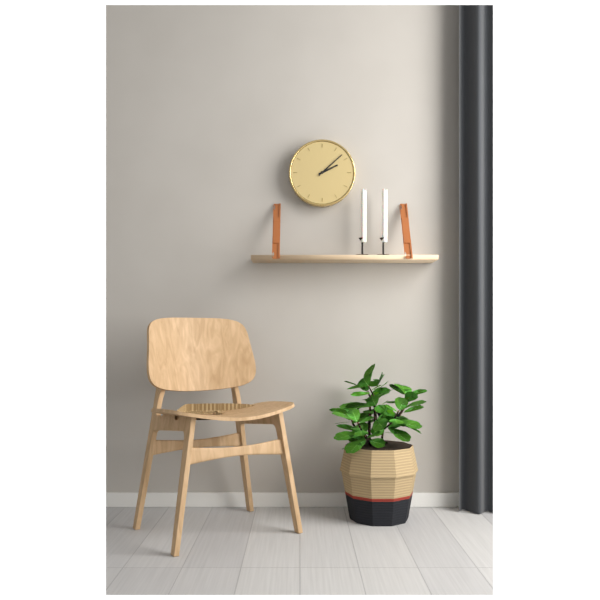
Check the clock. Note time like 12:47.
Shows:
2:08
